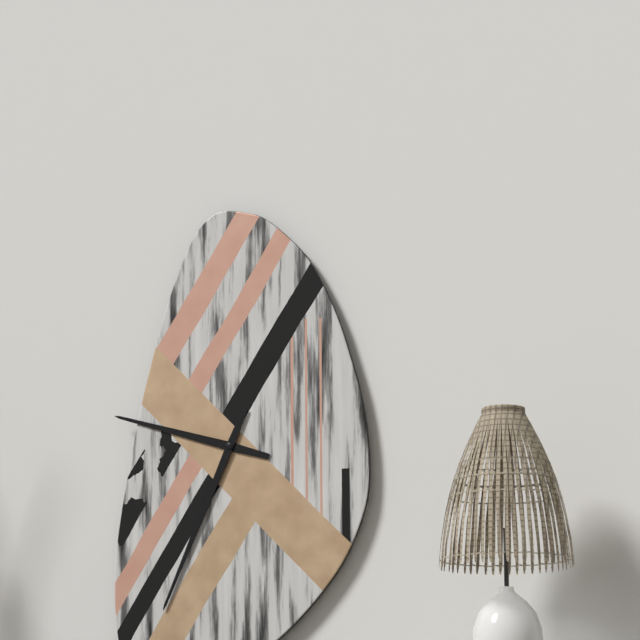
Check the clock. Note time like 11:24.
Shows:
9:34
